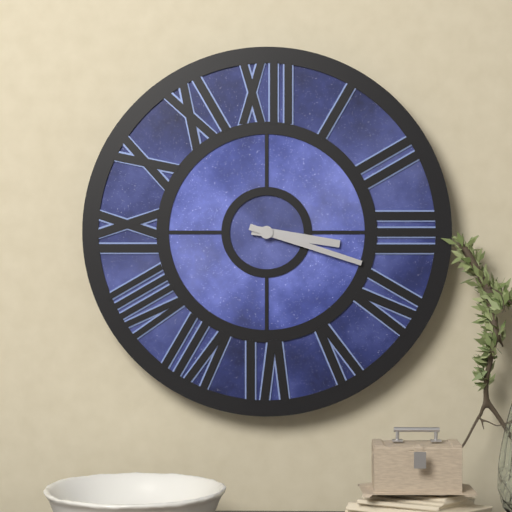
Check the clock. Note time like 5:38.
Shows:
3:18
